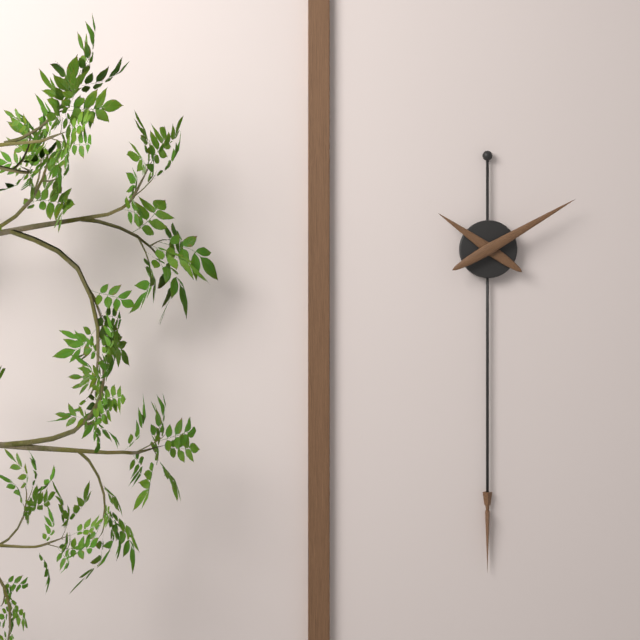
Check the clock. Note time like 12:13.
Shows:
10:10
